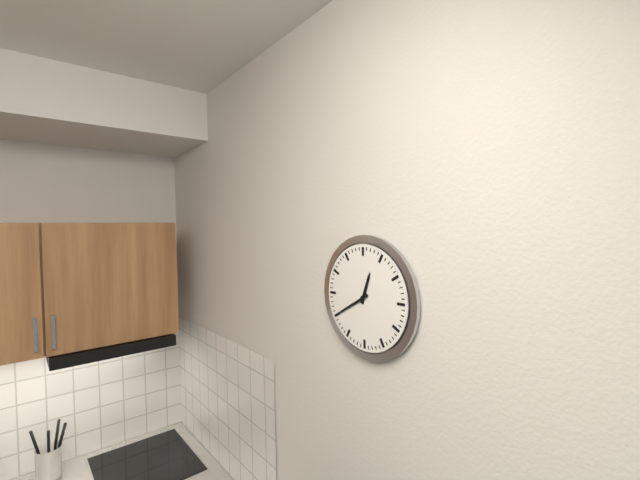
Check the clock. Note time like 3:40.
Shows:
12:40
